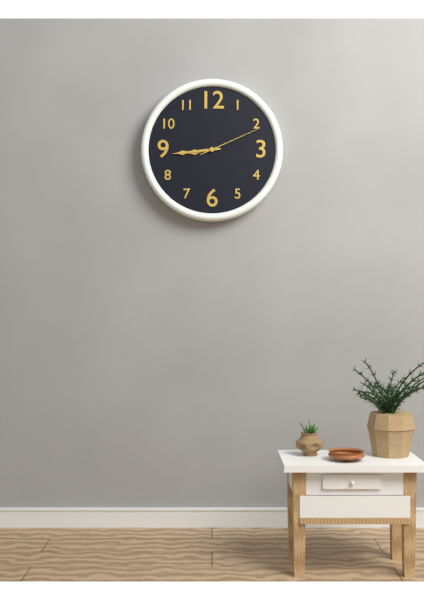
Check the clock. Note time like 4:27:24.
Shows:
8:44:11
